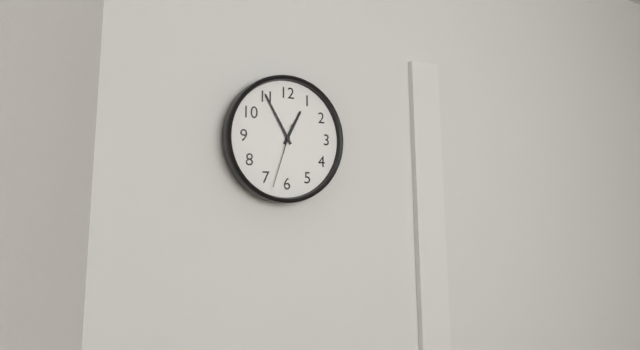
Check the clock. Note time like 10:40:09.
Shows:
12:55:33
